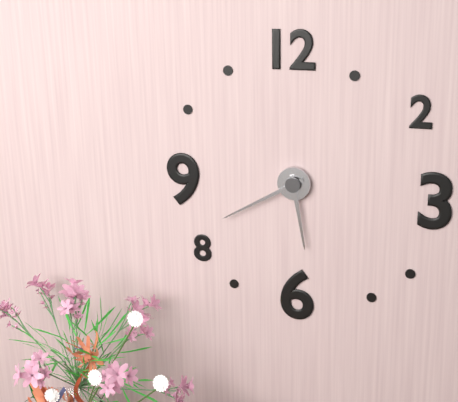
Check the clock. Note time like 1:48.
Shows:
5:40
